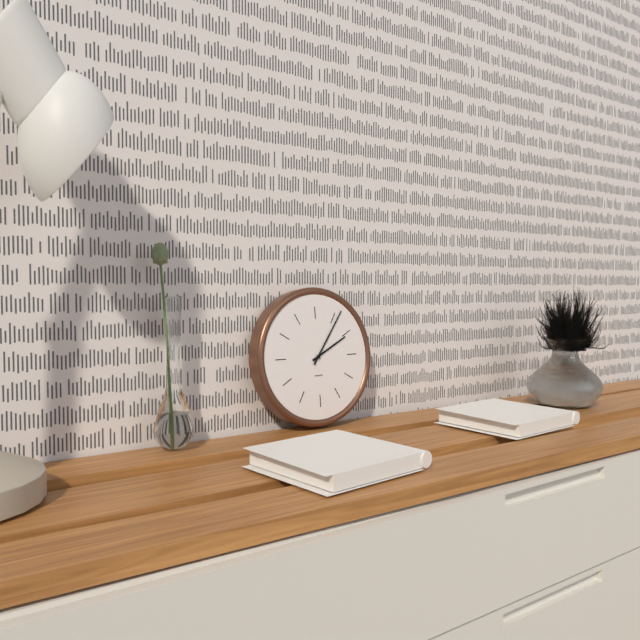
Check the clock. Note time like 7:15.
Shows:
2:06
